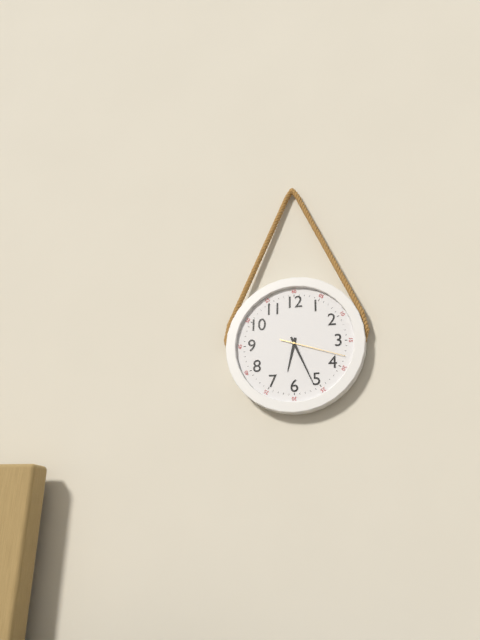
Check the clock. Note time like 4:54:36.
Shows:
6:26:18
